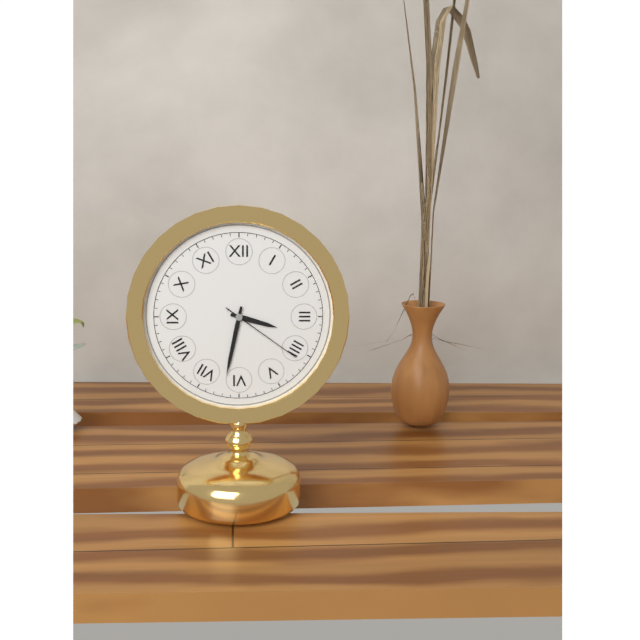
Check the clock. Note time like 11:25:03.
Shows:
3:32:21
